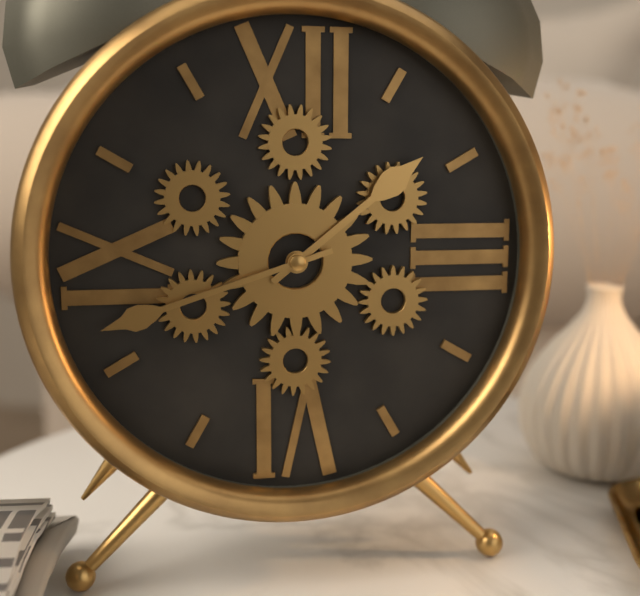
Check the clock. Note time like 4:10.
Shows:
1:42
